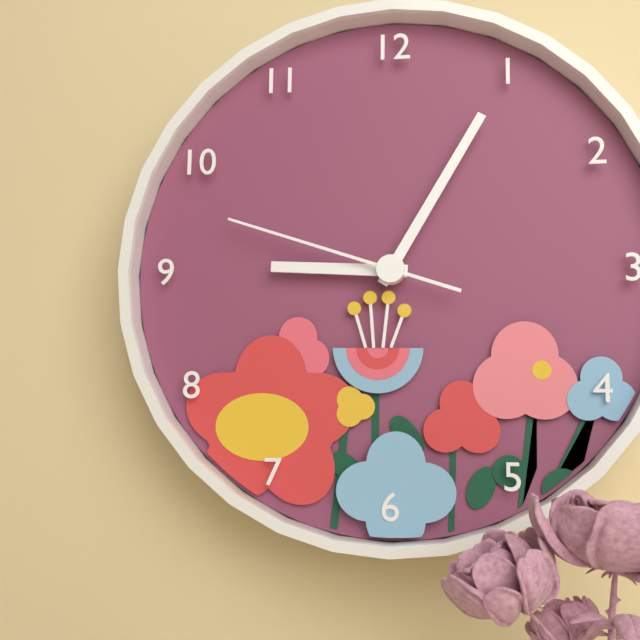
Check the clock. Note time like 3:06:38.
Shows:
9:05:48
